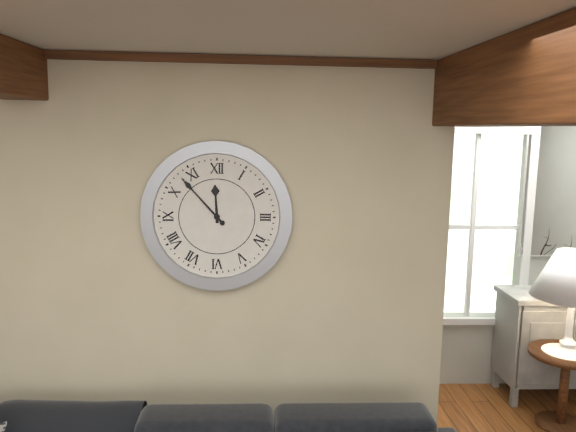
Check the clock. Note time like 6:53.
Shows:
11:53
